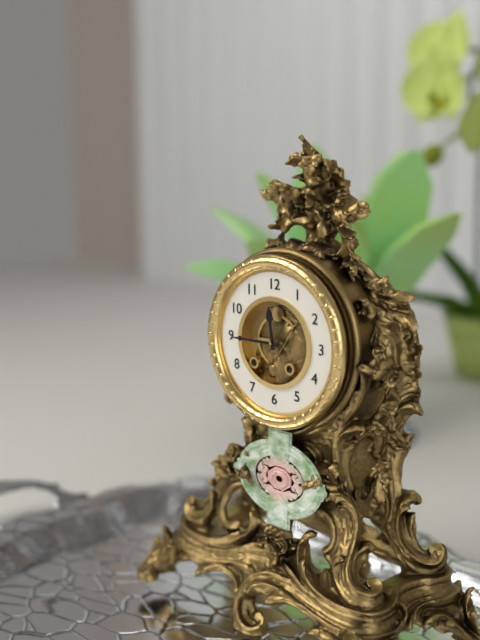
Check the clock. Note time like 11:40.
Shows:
11:45
